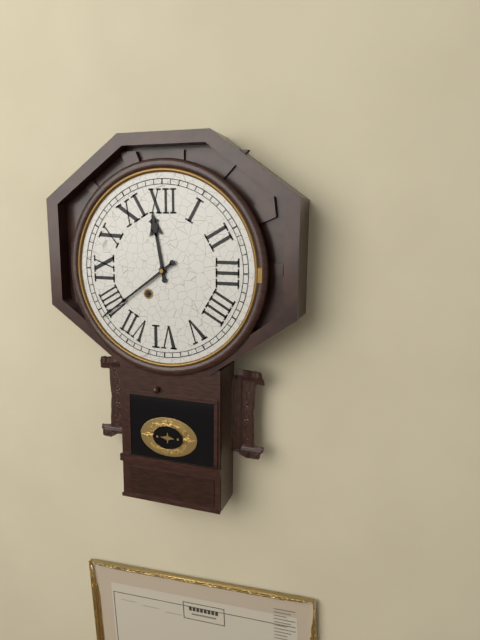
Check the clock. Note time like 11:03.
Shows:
11:39
